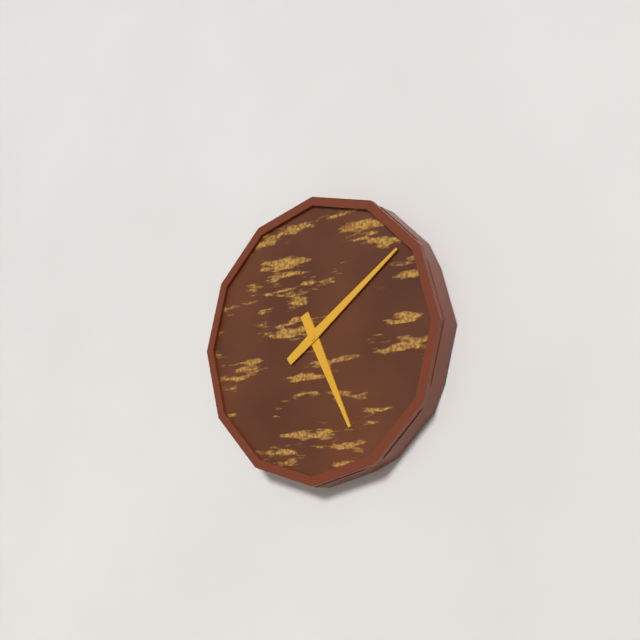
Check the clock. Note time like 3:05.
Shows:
5:09
